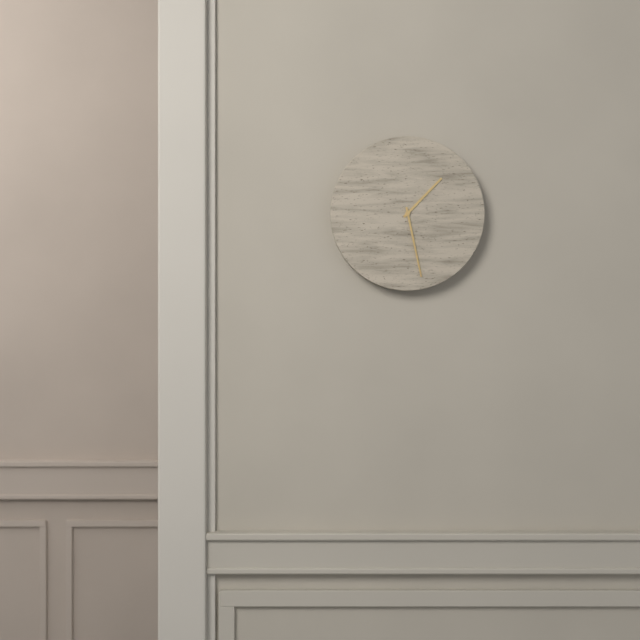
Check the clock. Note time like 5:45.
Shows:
1:28
